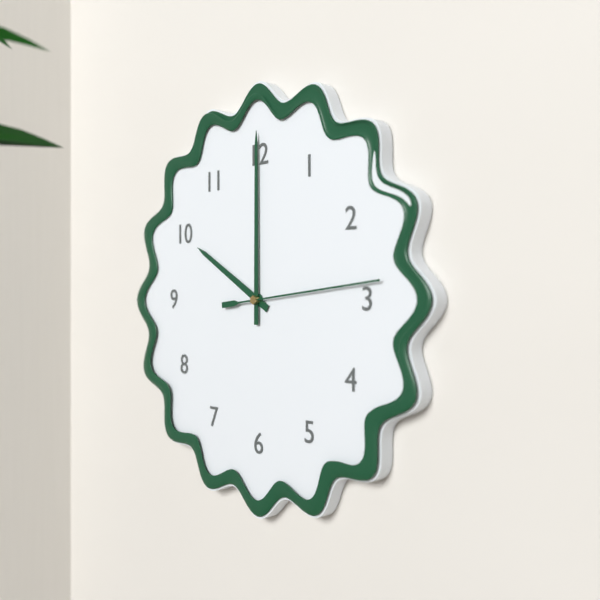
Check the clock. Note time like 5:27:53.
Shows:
10:00:14
